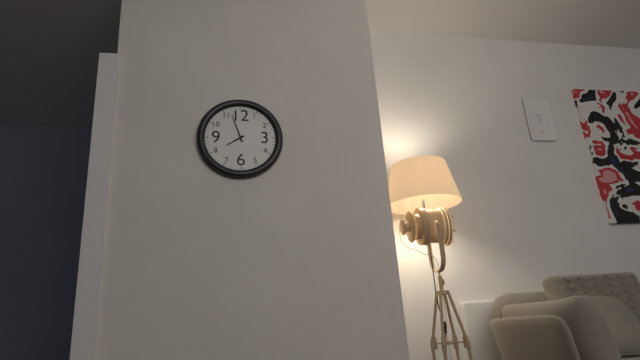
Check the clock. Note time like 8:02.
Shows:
7:57
